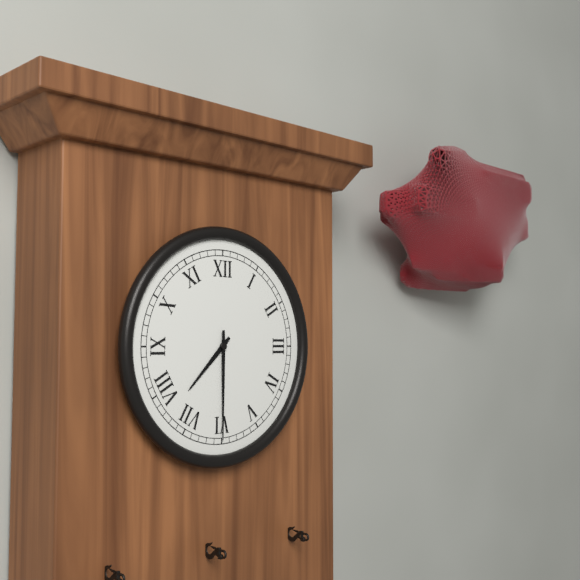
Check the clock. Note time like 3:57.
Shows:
7:30
